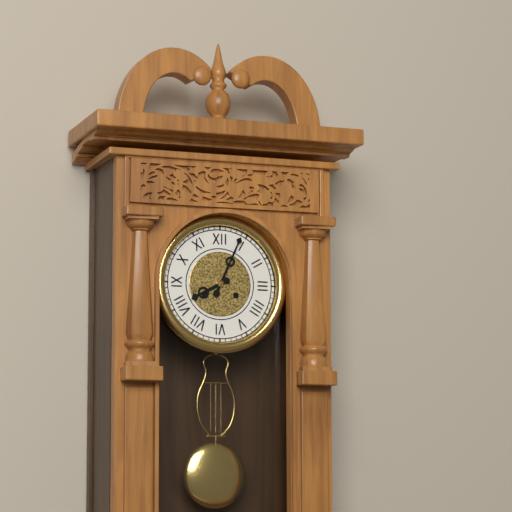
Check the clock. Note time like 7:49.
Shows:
8:04
